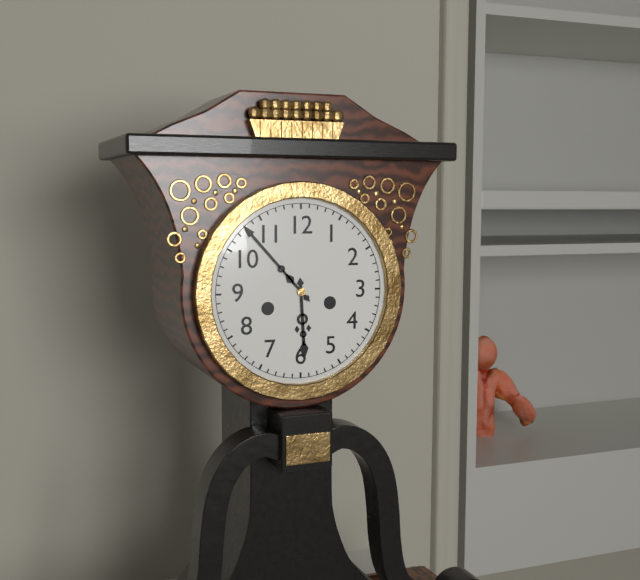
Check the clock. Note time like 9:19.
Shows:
5:53
